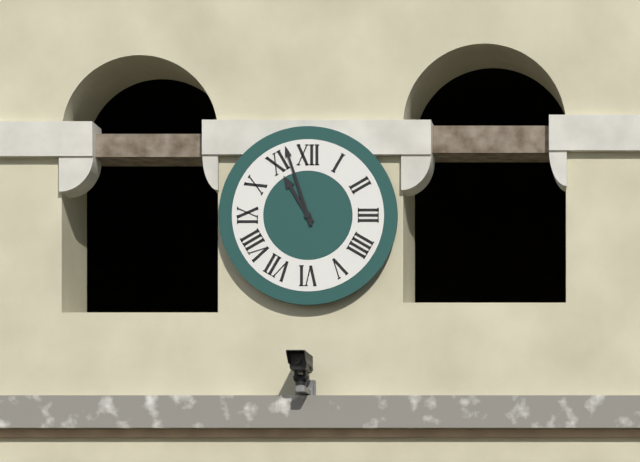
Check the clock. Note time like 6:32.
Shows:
10:57
